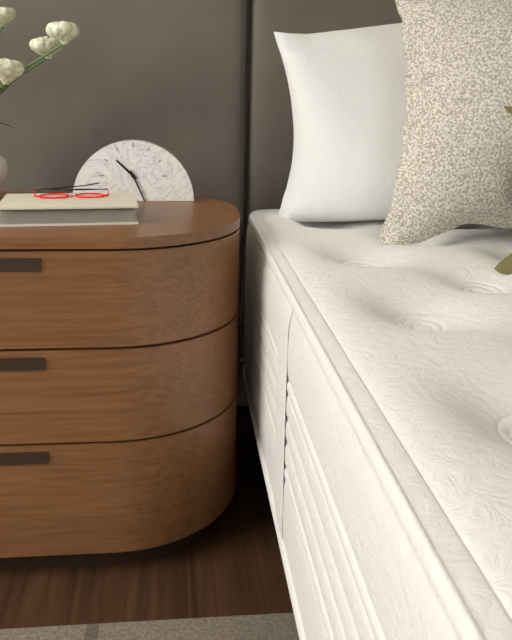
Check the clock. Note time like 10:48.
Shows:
10:26
